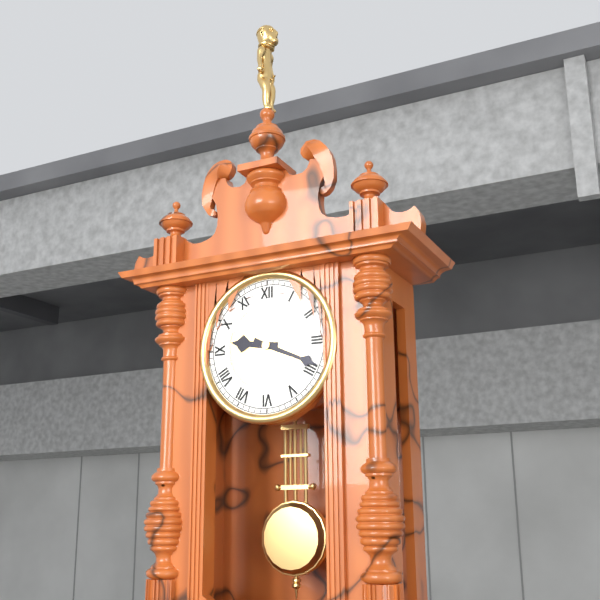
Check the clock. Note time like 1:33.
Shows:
9:19
